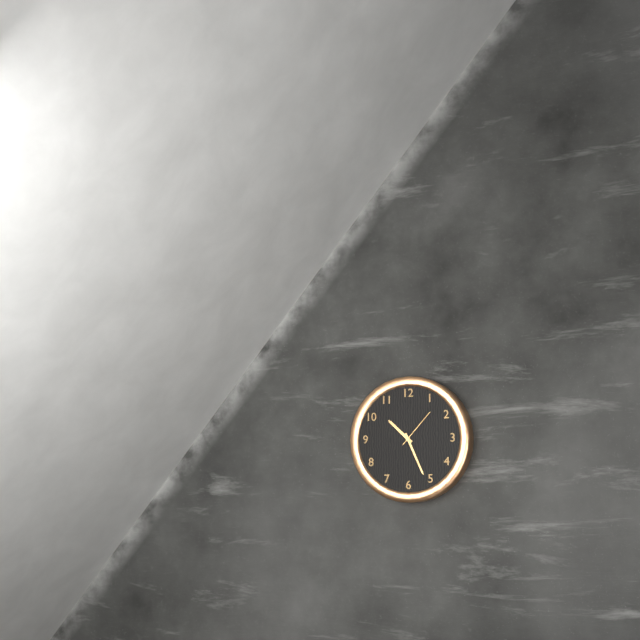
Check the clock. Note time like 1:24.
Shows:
10:26
